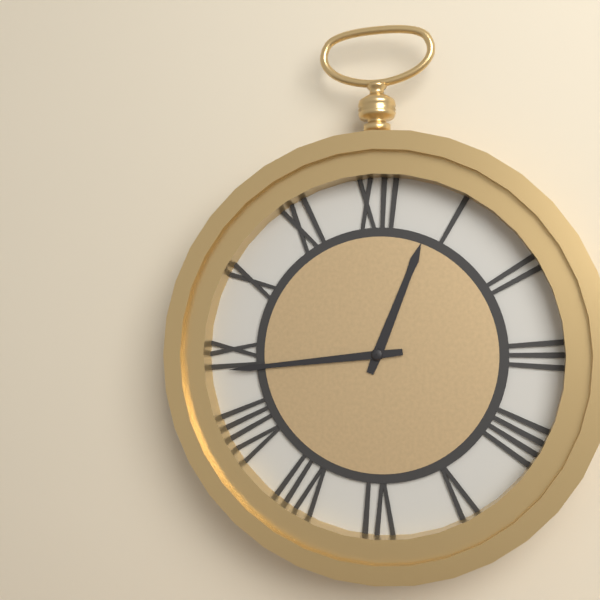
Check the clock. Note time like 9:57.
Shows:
12:44
